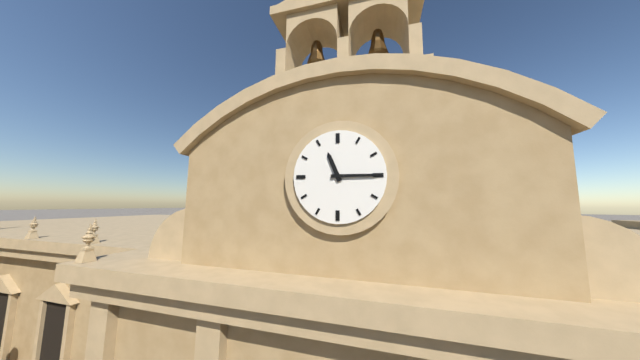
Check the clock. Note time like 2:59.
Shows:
11:15
